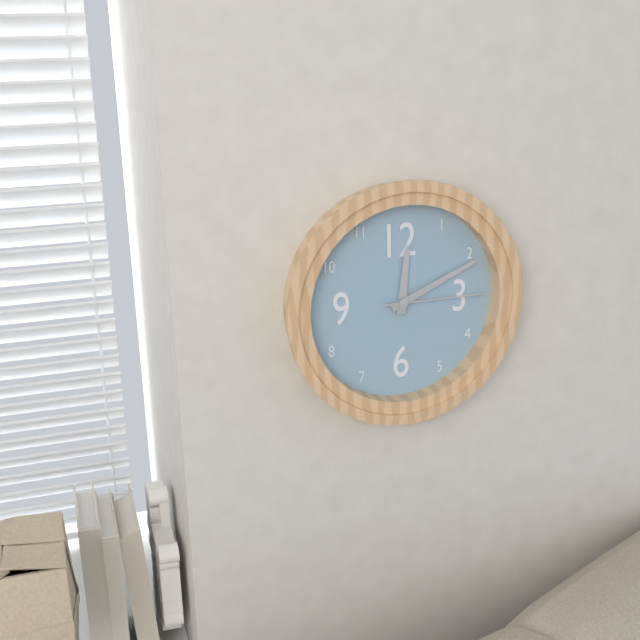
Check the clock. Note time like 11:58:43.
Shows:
12:11:15
